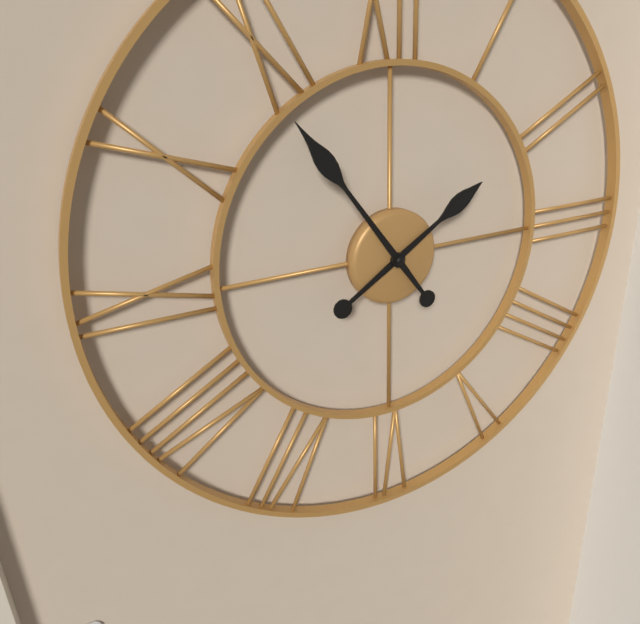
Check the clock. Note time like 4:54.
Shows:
1:54
